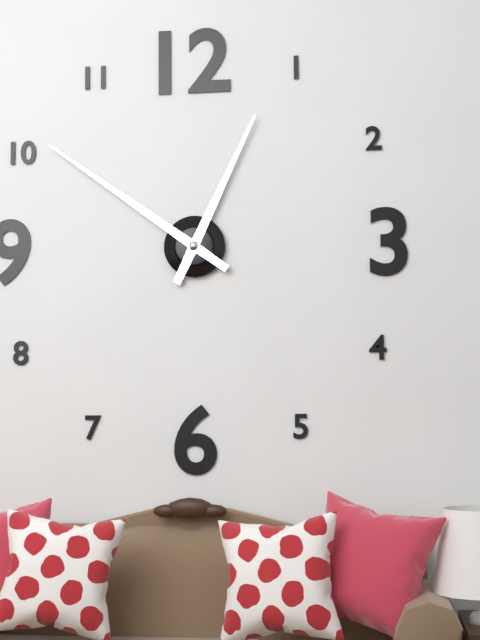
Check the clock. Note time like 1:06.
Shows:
12:51
